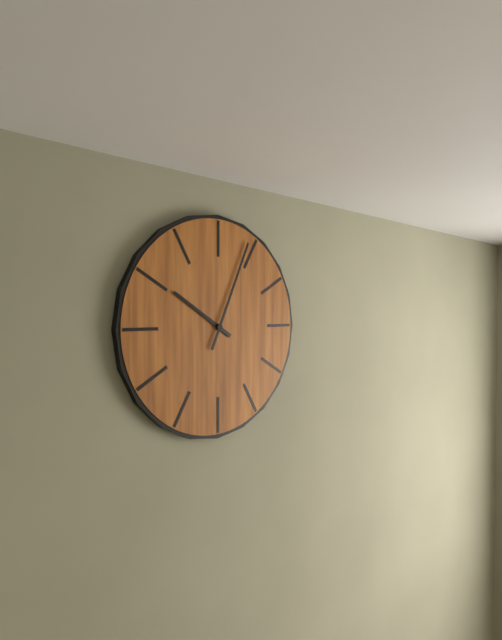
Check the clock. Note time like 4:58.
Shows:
10:04
